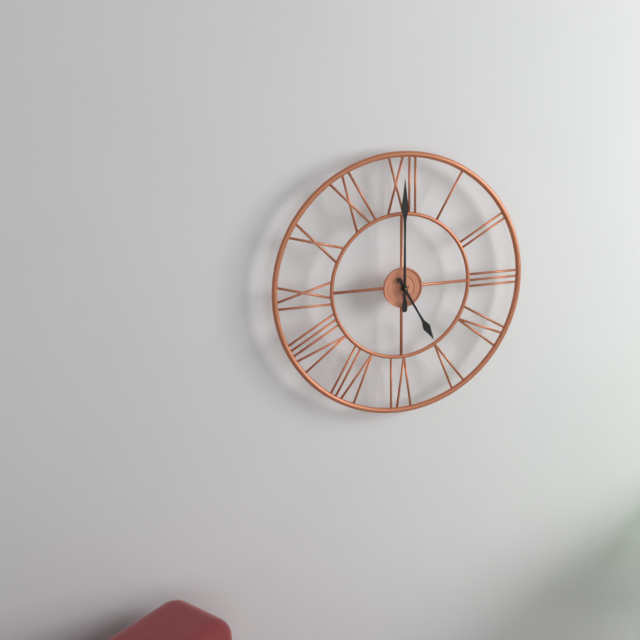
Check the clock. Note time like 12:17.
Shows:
5:00
